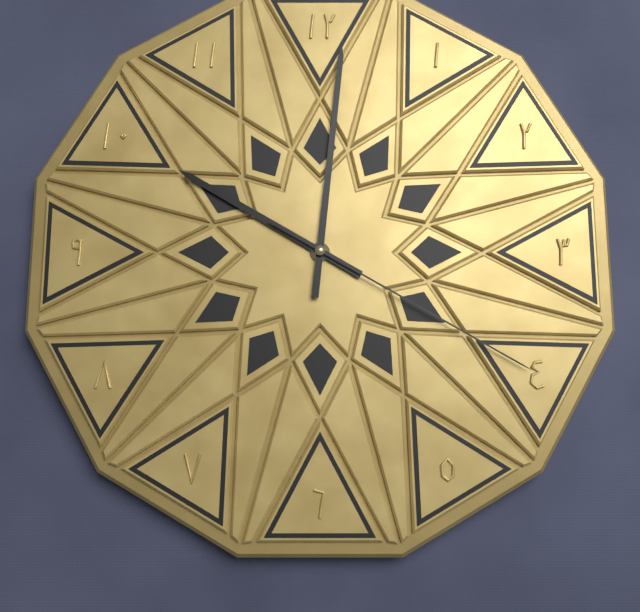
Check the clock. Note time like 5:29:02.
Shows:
10:01:20
